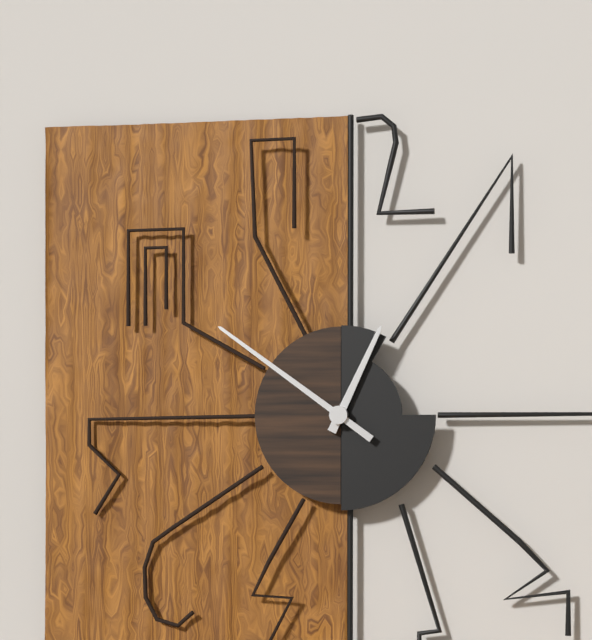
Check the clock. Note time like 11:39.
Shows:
12:51
